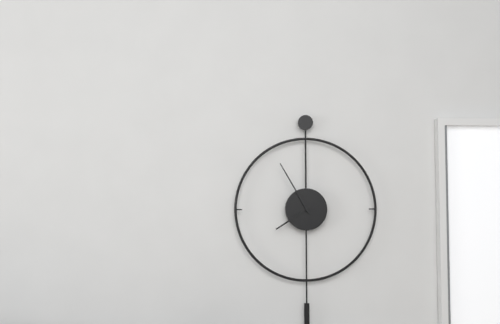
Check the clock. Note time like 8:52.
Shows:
7:55
